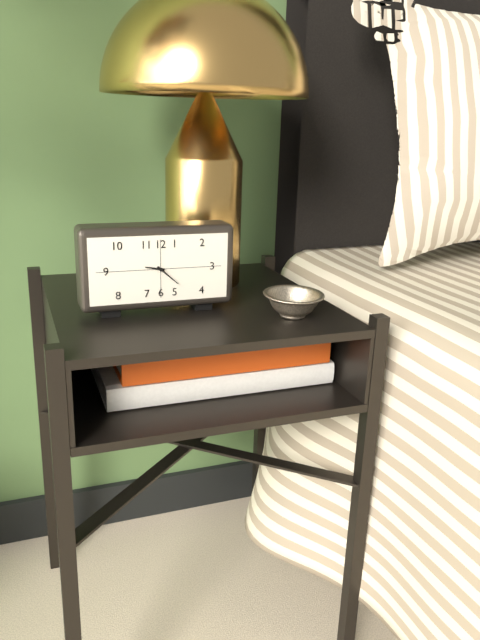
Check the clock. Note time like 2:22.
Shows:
9:22
